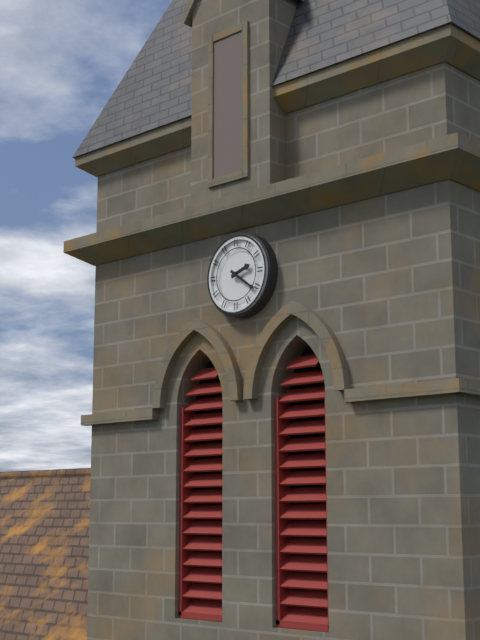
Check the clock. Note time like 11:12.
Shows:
2:21
